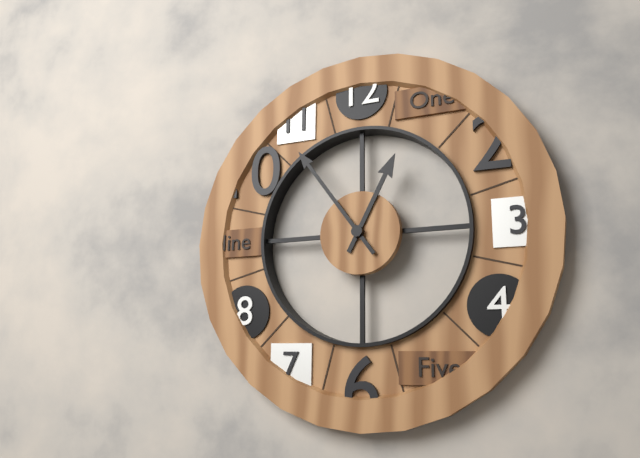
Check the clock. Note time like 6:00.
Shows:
12:54
